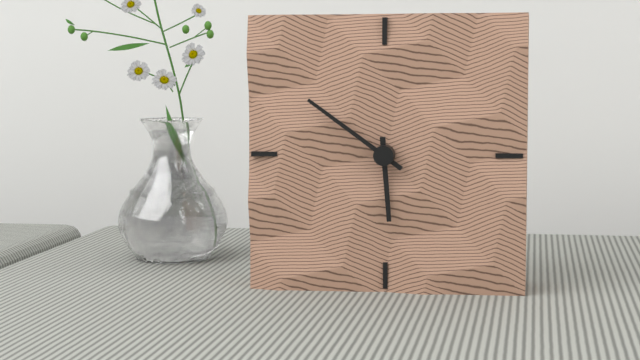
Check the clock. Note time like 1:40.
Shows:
5:51
